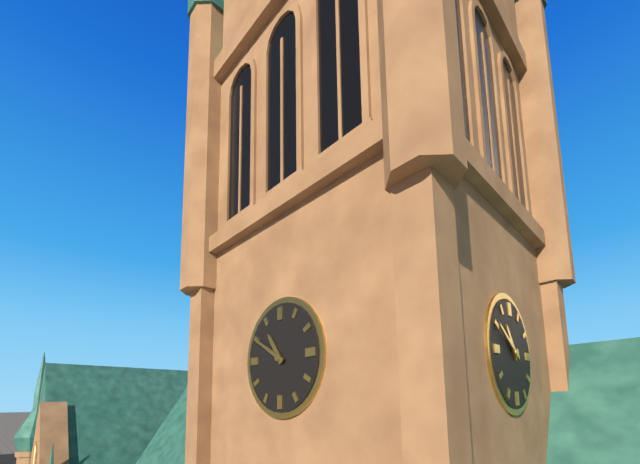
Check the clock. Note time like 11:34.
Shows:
10:50
